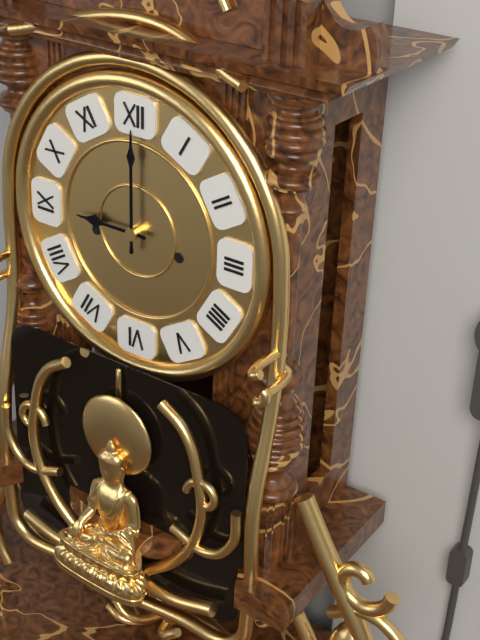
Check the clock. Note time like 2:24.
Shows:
9:00
